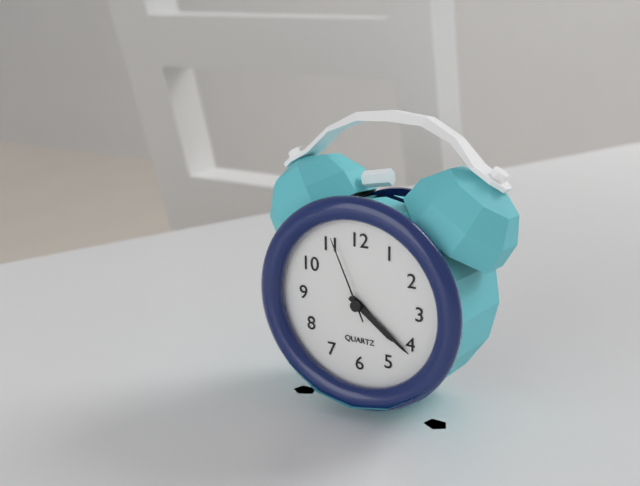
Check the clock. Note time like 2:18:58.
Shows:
4:21:56
